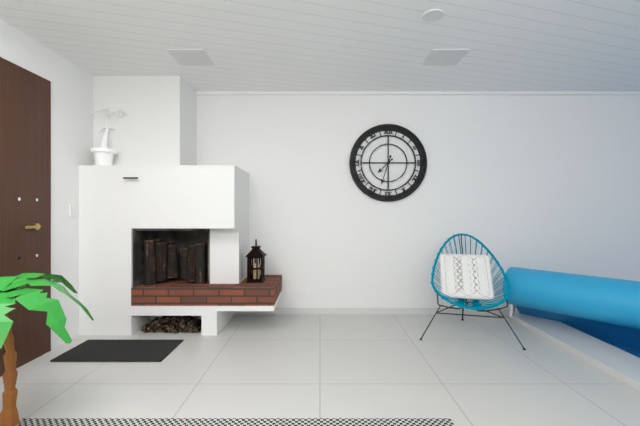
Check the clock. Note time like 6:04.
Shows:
7:33
